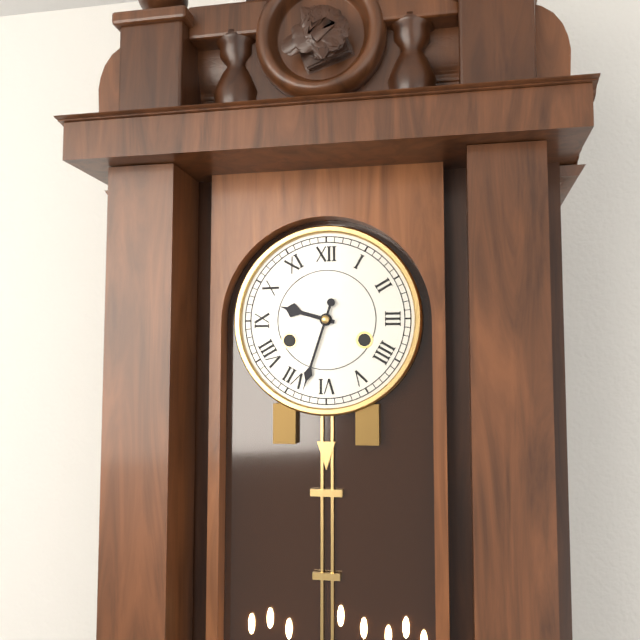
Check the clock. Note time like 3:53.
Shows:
9:33
